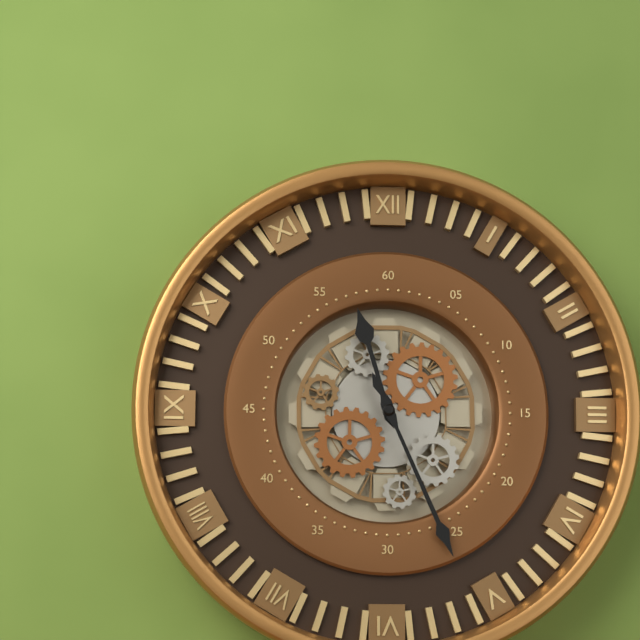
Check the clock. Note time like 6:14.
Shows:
11:26
